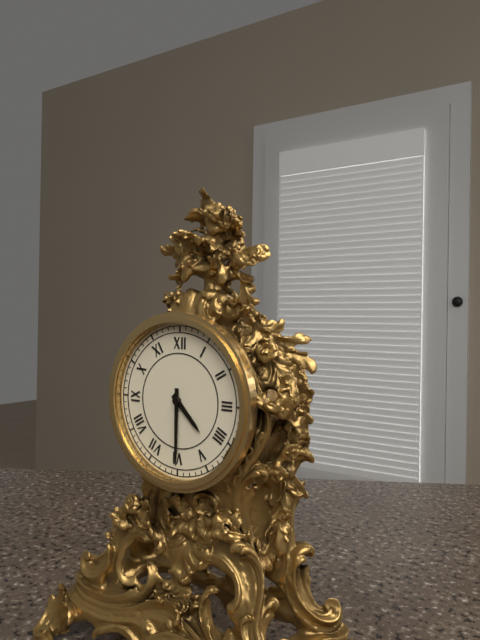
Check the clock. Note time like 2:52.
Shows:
4:30
